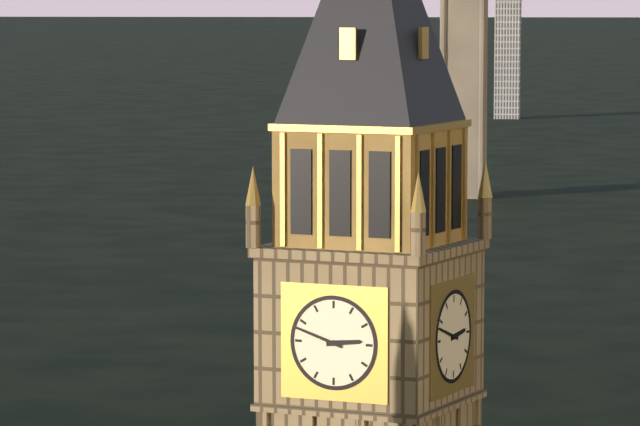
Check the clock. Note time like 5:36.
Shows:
2:48
